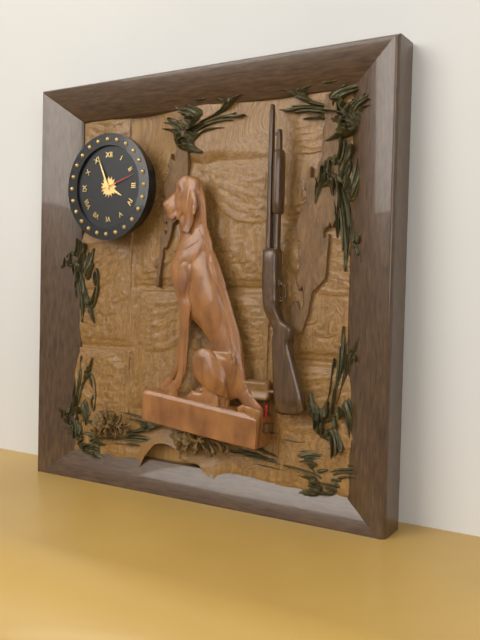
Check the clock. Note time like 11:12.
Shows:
3:56
